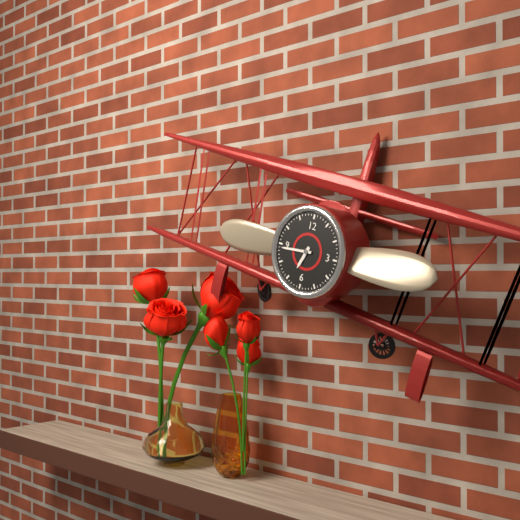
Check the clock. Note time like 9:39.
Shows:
6:44
